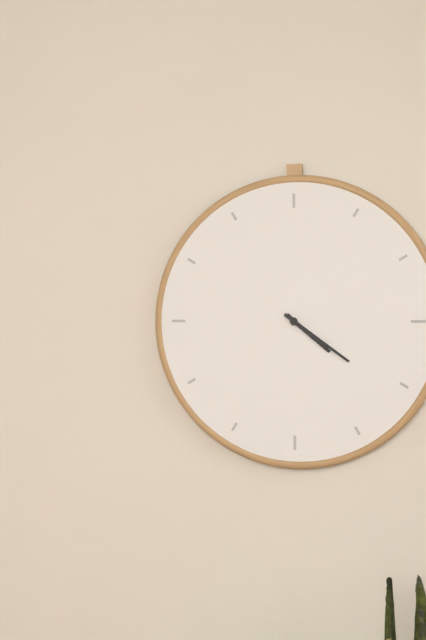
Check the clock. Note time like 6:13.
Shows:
4:21
